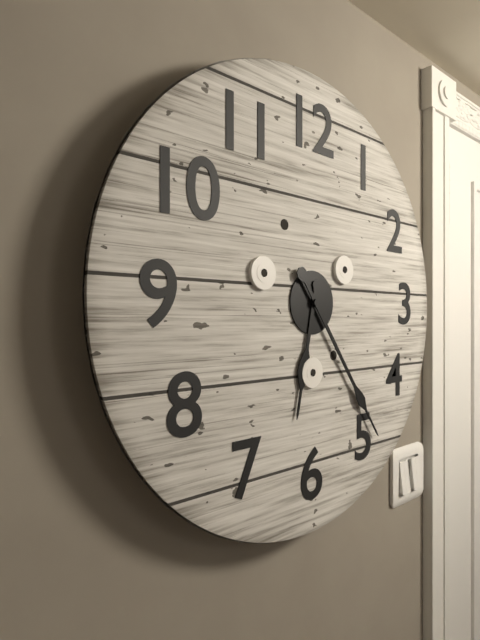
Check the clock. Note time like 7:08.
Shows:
6:24
